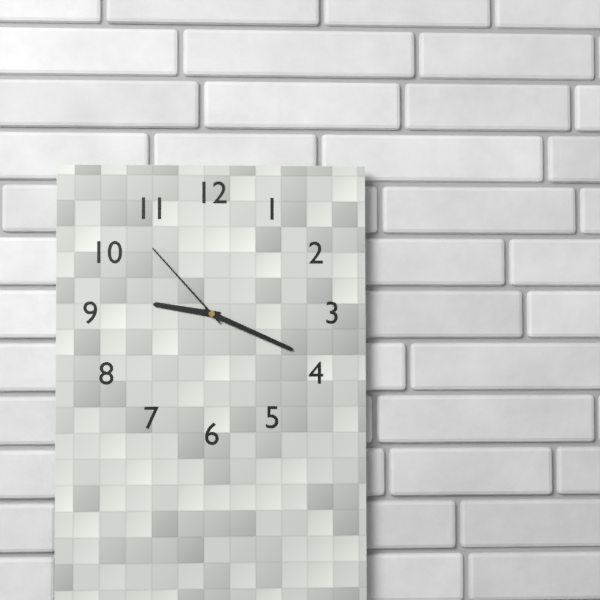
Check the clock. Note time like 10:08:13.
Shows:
9:19:53
